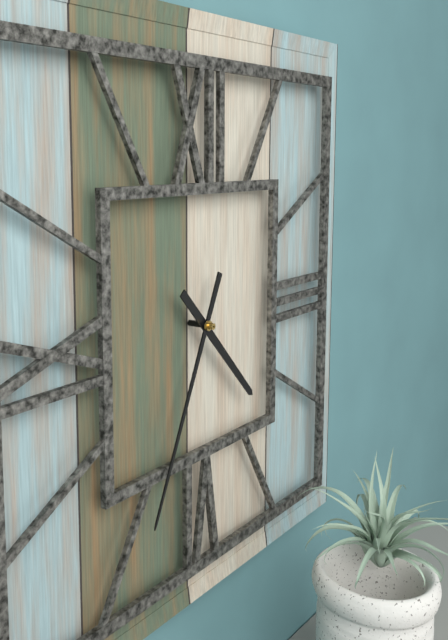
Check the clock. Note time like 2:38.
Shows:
4:34
